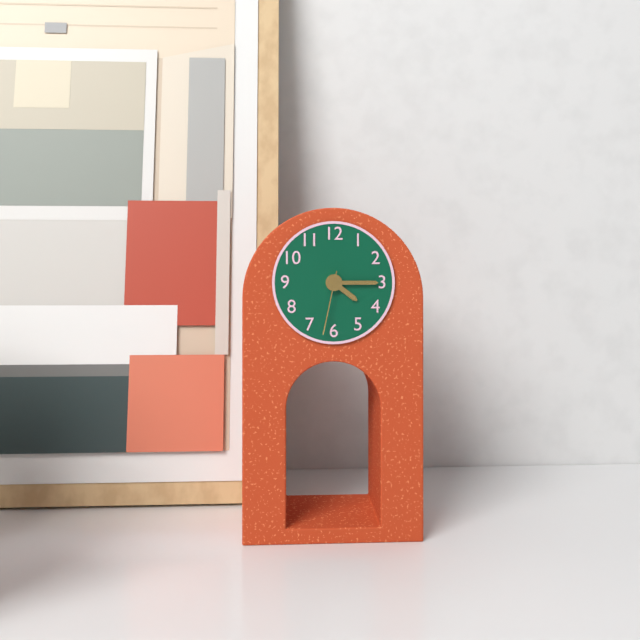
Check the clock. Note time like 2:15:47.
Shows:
4:15:32
